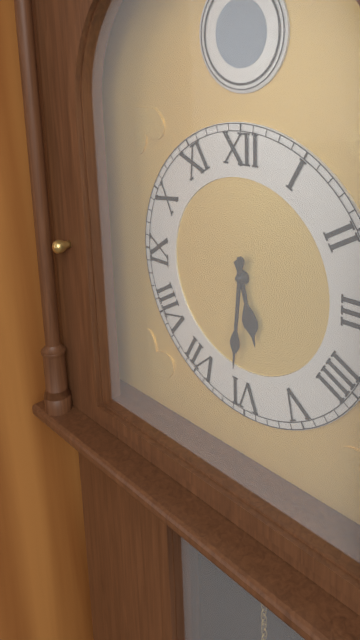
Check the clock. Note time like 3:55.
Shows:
5:31
